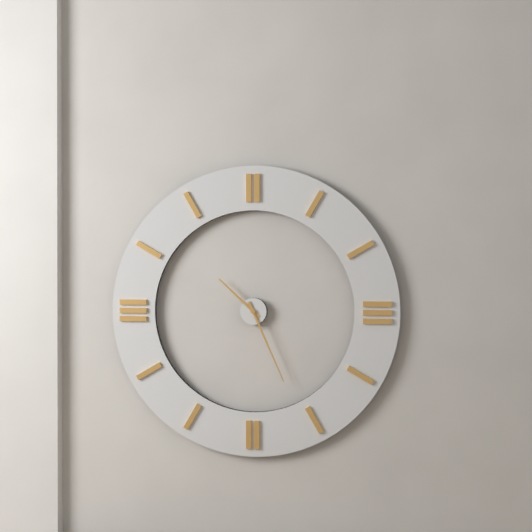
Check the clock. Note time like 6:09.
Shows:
10:26
